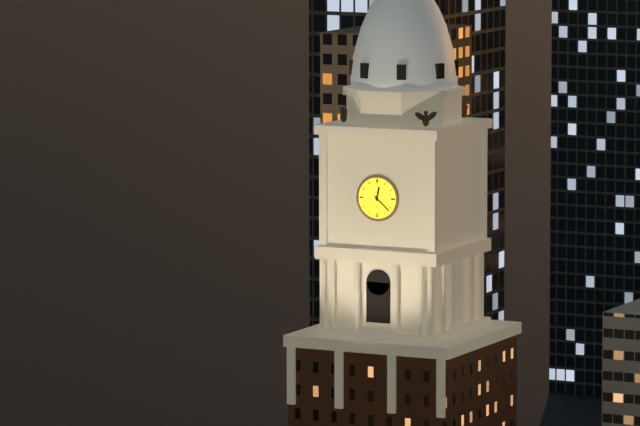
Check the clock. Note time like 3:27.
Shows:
12:22
